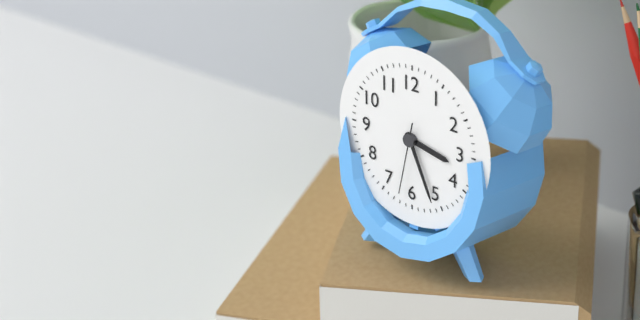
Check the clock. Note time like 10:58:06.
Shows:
3:26:32
